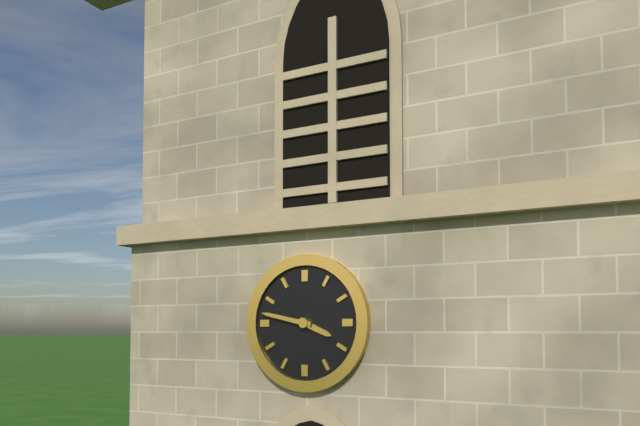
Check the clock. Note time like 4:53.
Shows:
3:47
